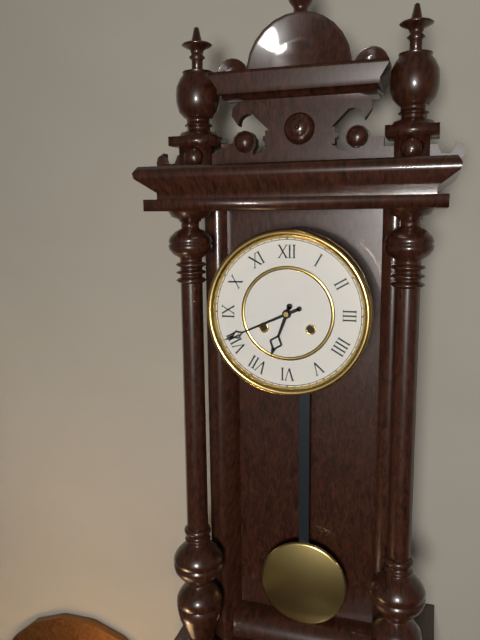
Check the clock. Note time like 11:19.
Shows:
6:41
